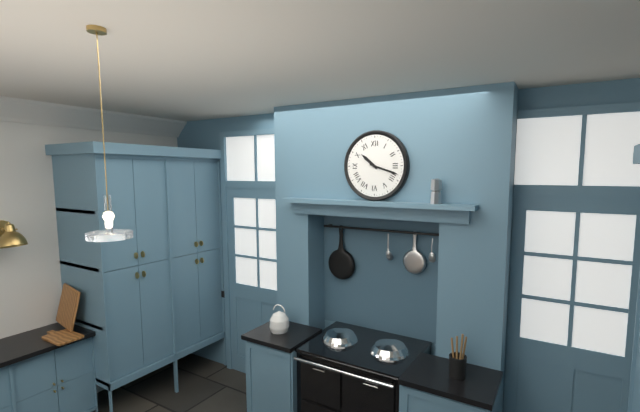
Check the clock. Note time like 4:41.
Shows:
10:18
